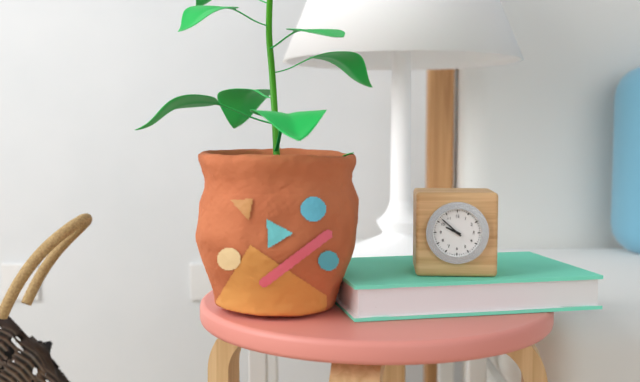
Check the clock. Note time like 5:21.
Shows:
9:52
